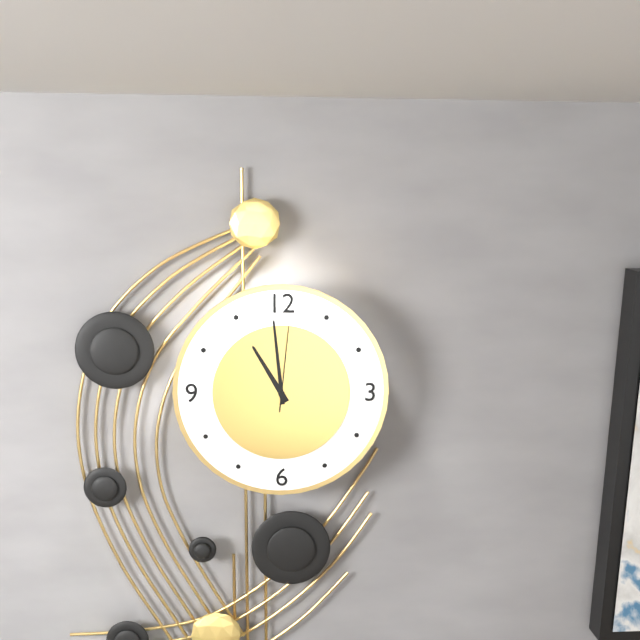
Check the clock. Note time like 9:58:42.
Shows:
10:59:01
